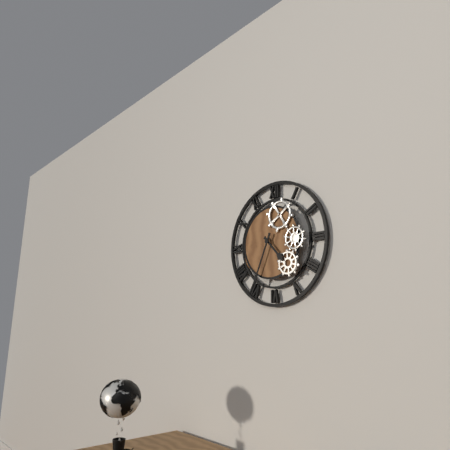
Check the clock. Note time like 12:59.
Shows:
4:34
